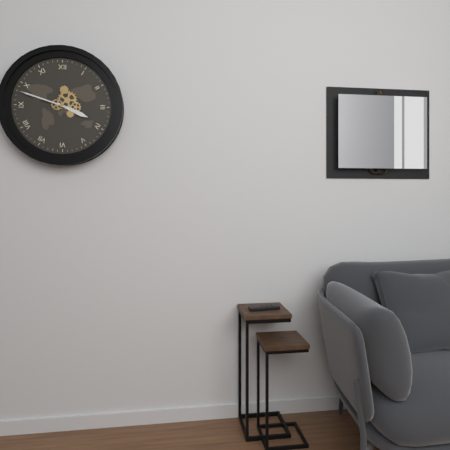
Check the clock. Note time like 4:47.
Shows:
3:48
